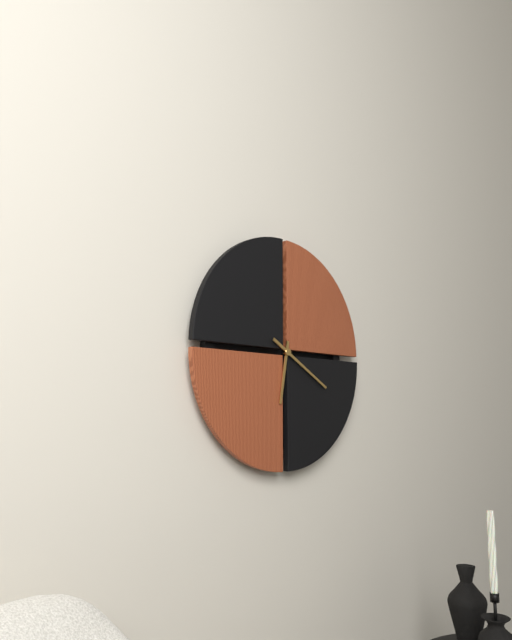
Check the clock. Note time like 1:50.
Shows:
6:20
